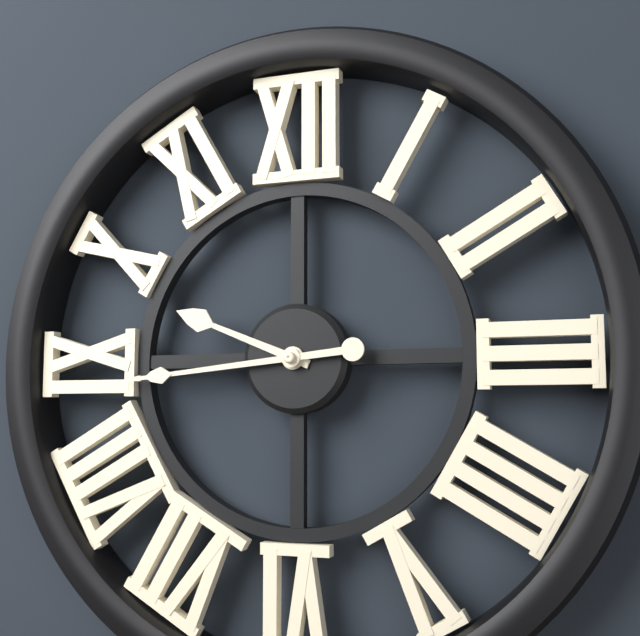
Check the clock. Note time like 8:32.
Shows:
9:44
